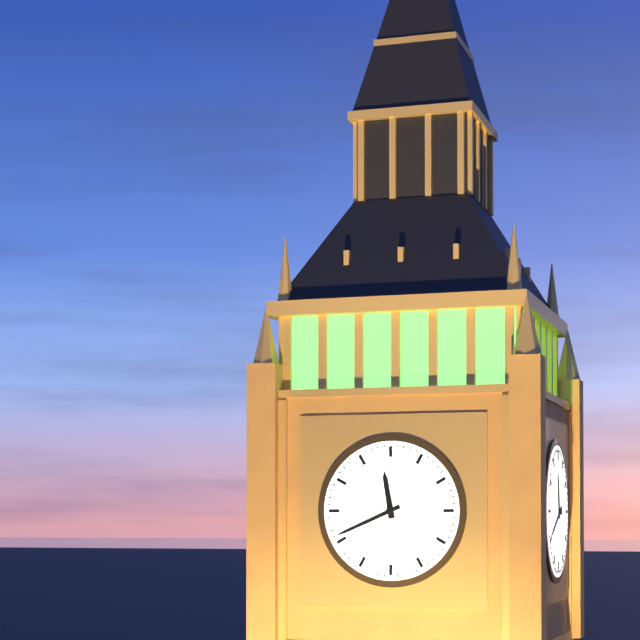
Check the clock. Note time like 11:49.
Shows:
11:41
